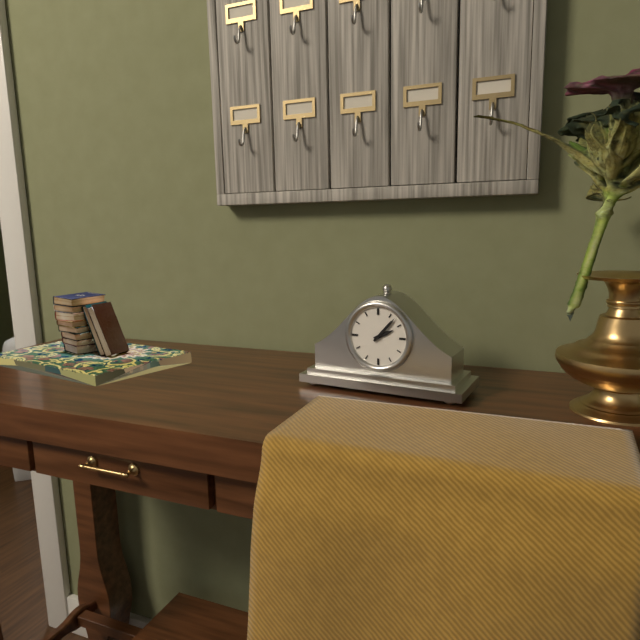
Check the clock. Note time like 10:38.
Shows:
2:07
